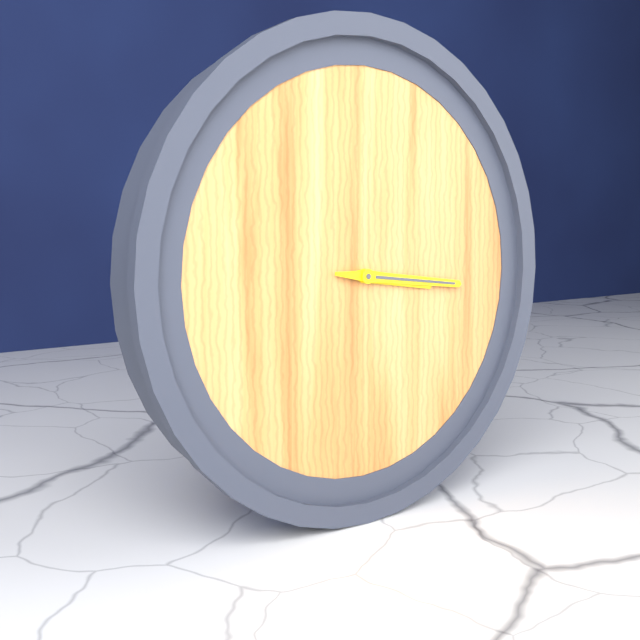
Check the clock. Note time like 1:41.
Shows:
3:16
